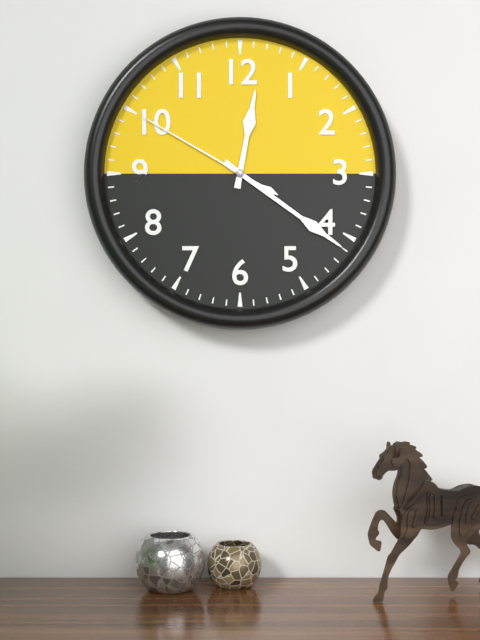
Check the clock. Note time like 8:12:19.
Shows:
12:21:50
